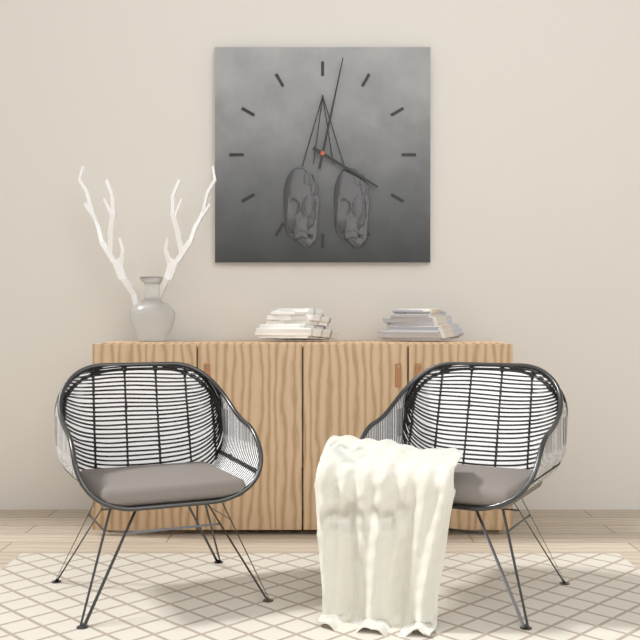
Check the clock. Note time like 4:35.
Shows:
4:02
